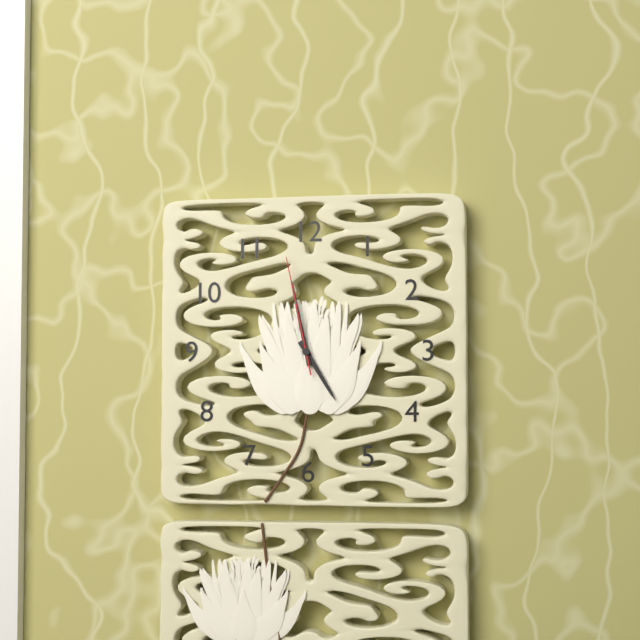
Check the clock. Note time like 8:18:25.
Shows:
4:58:58
